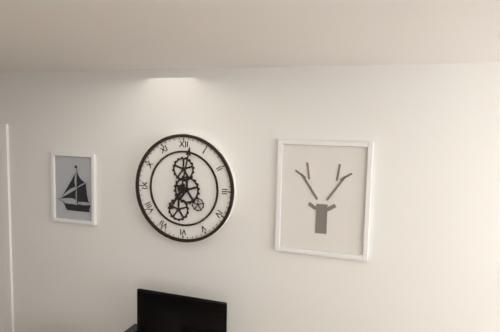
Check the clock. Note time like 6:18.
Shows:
7:02
